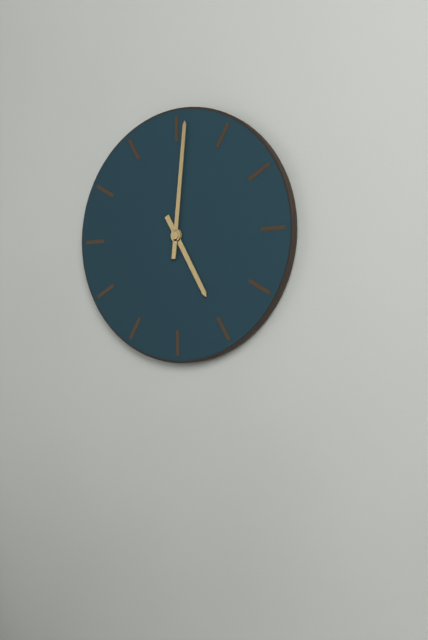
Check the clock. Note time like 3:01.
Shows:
5:01
